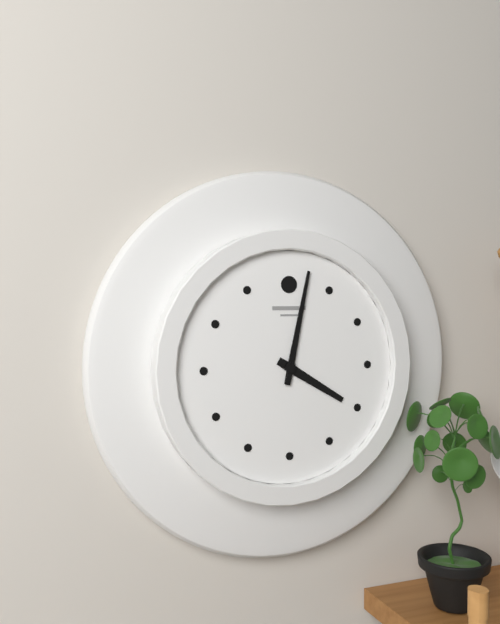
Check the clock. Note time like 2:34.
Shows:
4:02
